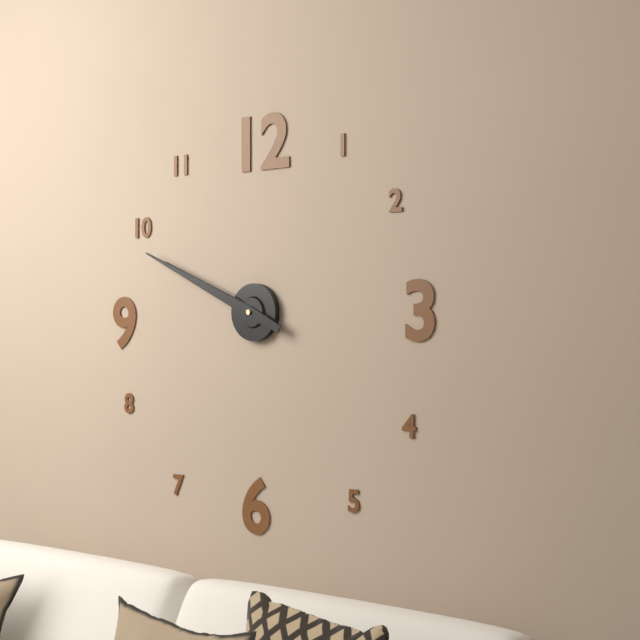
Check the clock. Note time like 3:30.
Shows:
9:49
